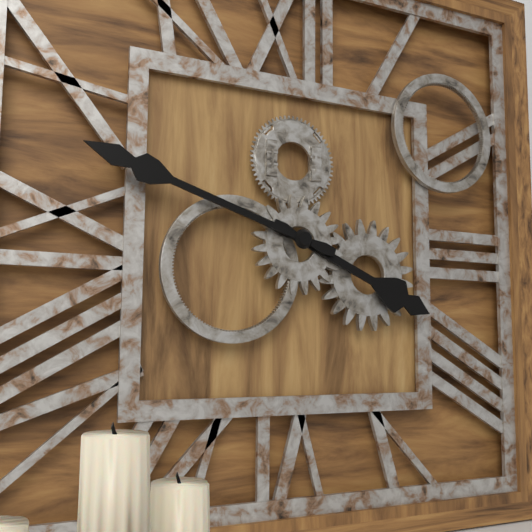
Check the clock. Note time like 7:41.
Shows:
3:48
